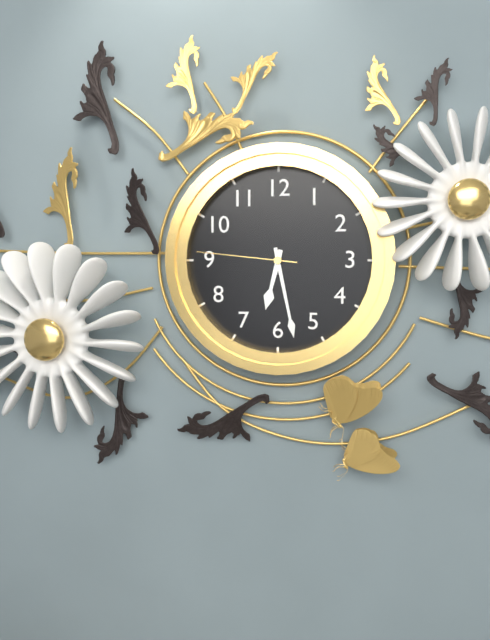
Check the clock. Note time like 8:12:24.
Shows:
6:28:46
